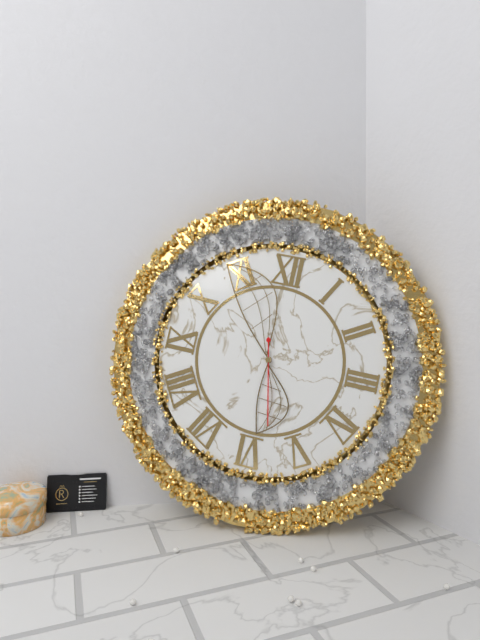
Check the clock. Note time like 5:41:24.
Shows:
5:54:28
